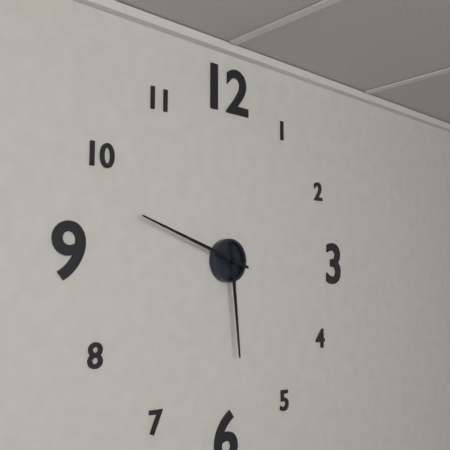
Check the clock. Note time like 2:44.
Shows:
5:48
